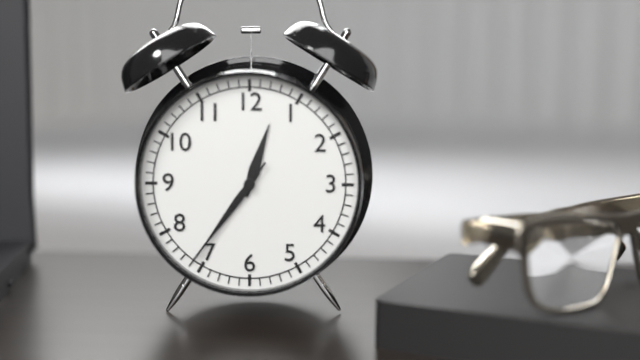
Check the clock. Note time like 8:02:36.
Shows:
12:36:36
